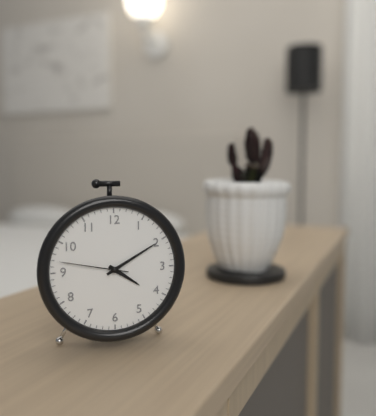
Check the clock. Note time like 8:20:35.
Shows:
4:10:47
